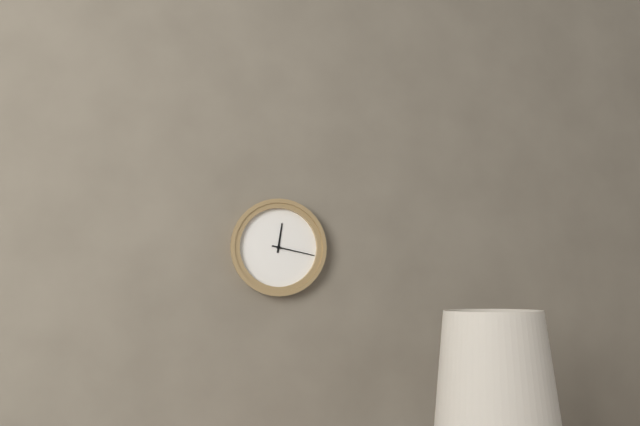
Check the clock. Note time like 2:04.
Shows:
12:17
